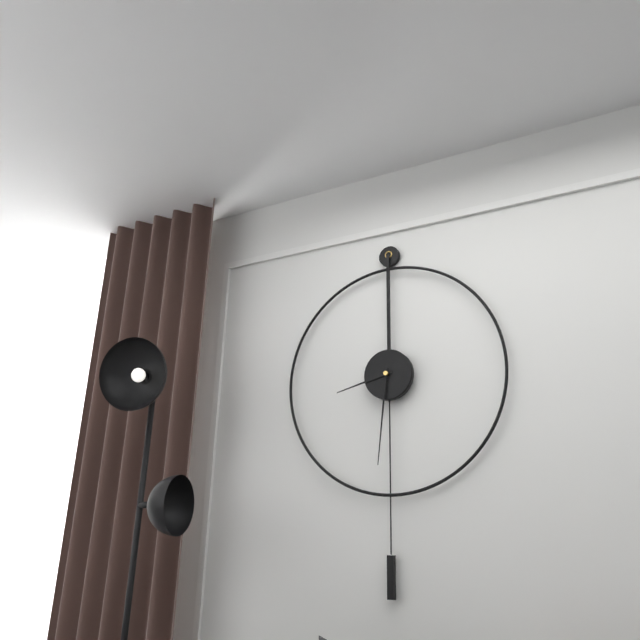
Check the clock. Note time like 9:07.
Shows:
8:31
